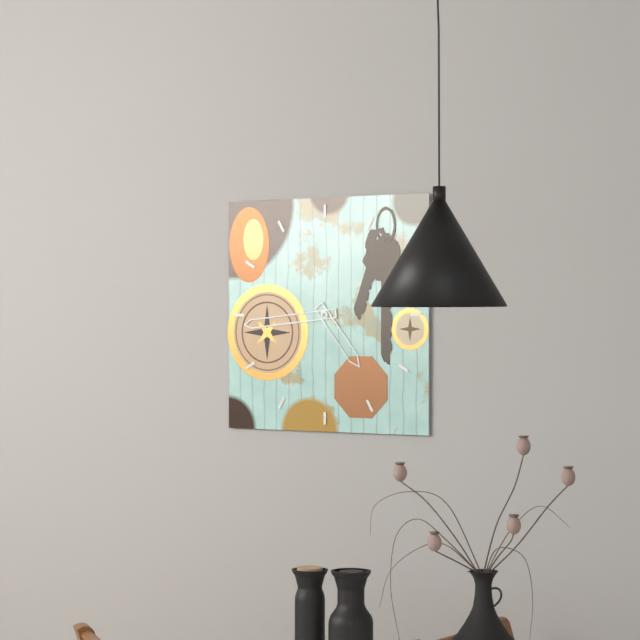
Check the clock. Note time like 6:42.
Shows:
4:44
